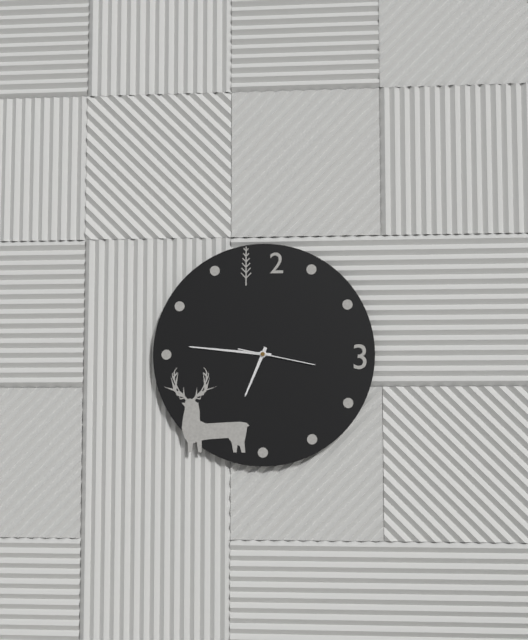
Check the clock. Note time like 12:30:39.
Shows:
6:46:17
